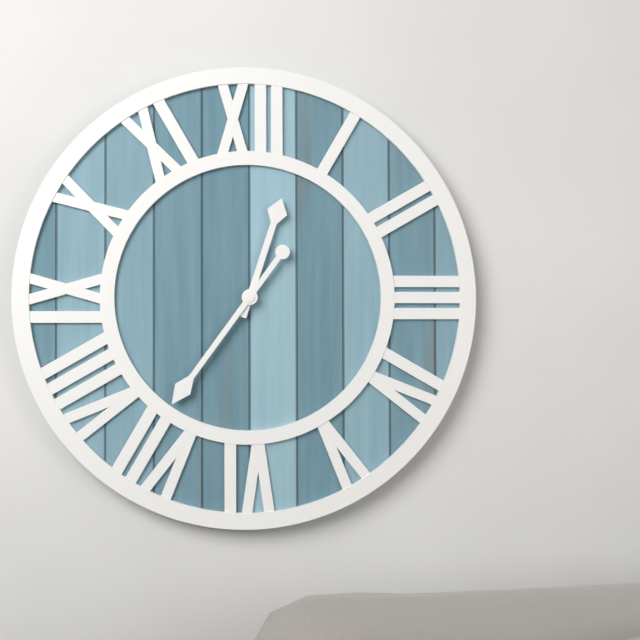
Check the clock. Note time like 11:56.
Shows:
12:36
